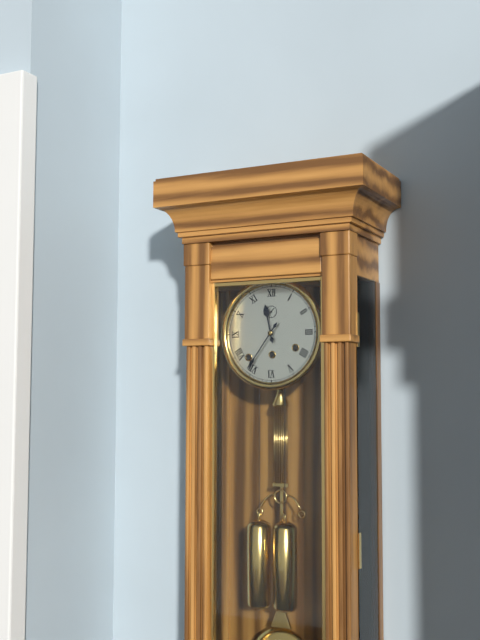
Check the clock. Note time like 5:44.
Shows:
11:36
